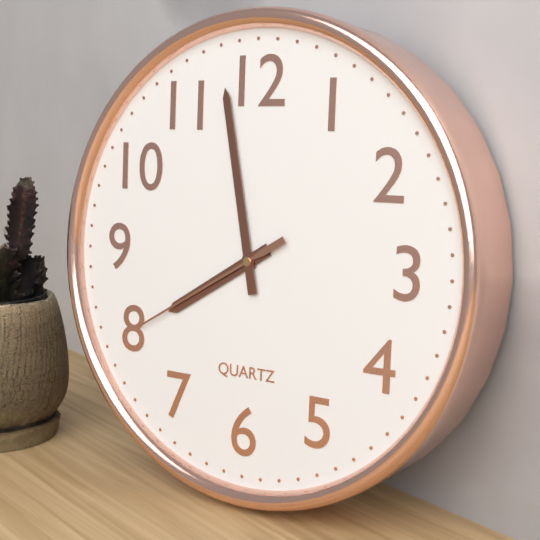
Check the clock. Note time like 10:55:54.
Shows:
7:58:40
